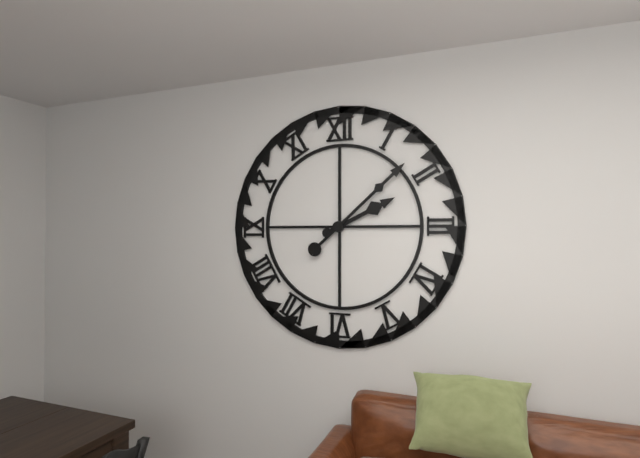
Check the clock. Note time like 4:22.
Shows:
2:08
